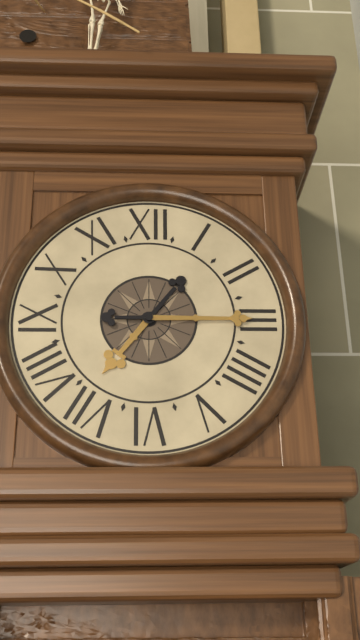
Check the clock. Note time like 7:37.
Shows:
7:15
